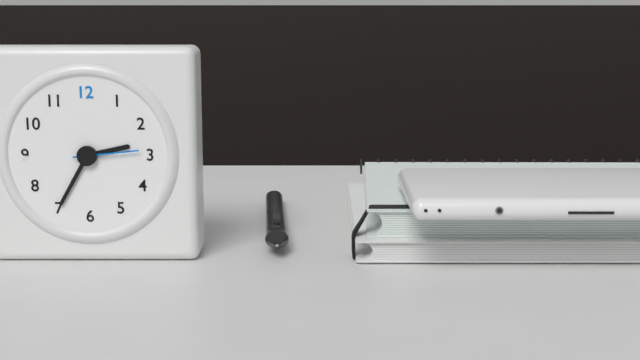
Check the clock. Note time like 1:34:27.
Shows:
2:35:14
